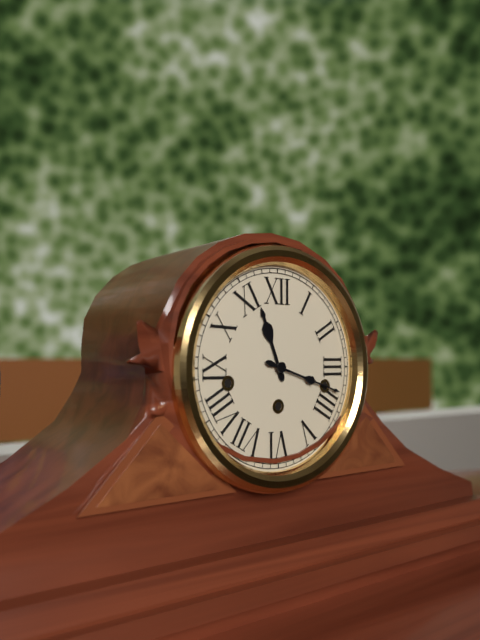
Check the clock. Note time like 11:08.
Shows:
11:18
